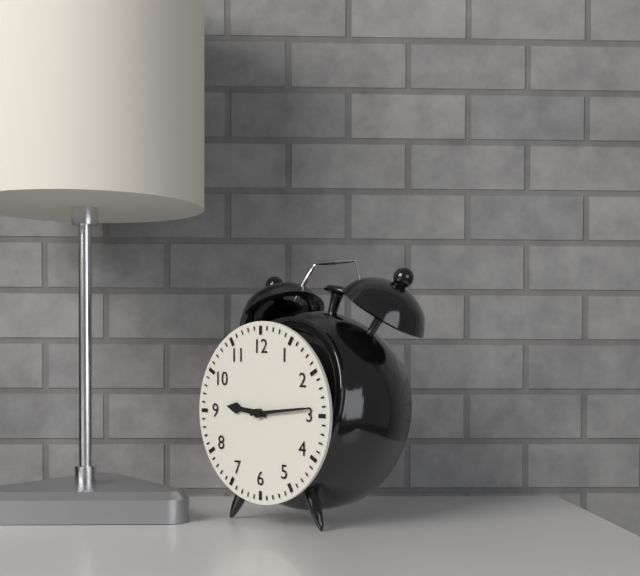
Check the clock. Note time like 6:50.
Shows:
9:14
